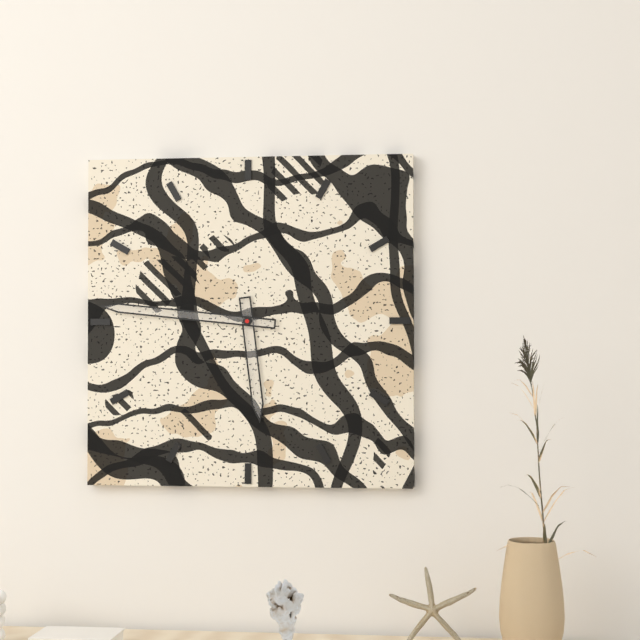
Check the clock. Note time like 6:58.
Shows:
5:46
